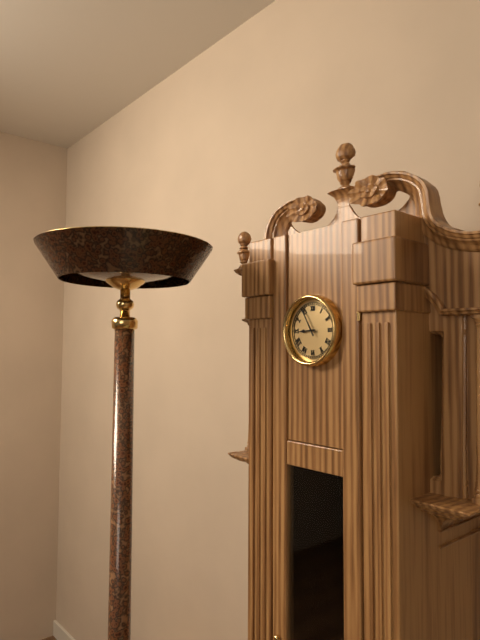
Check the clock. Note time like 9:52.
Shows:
8:55
